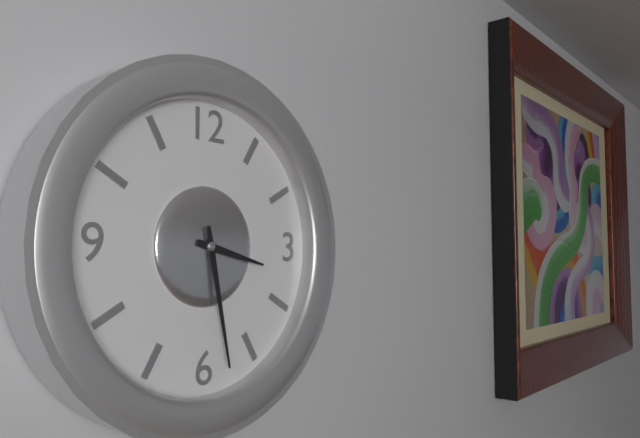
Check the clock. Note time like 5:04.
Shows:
3:28
